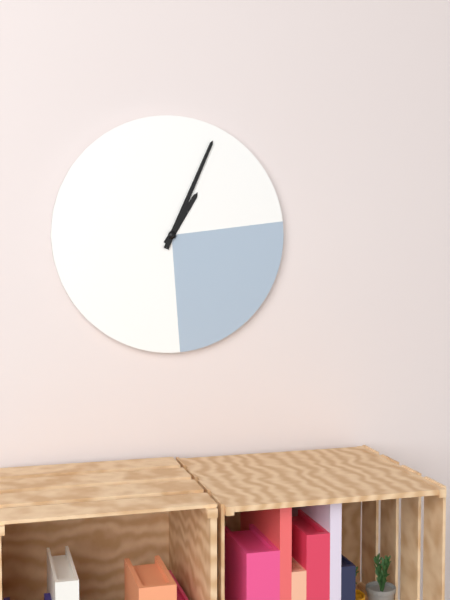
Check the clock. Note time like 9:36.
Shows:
1:04
